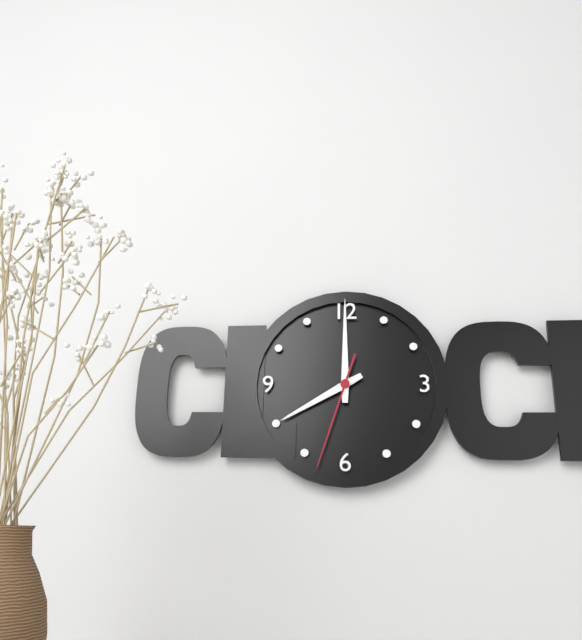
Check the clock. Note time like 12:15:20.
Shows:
8:00:33
